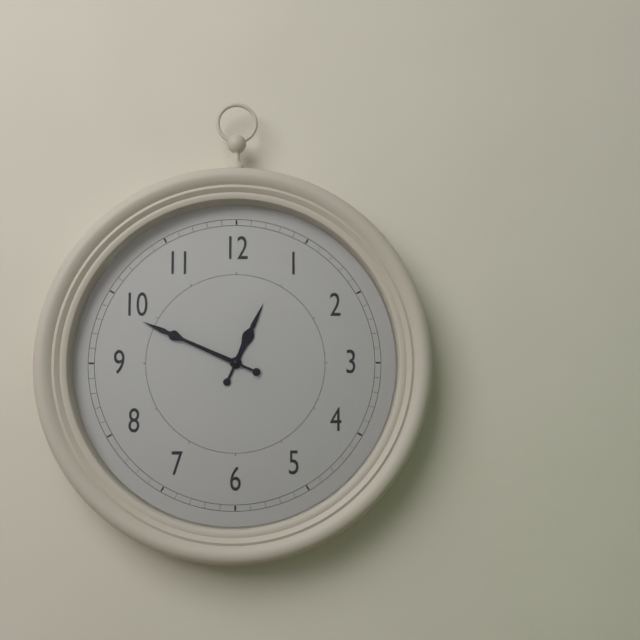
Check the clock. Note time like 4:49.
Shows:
12:49
